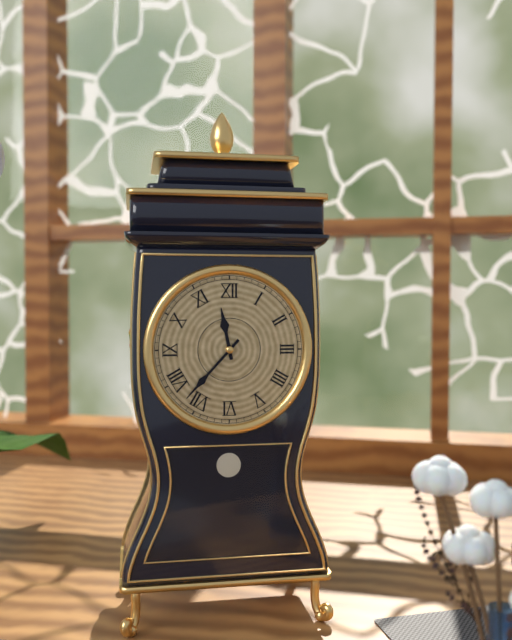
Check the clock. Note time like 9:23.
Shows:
11:37
